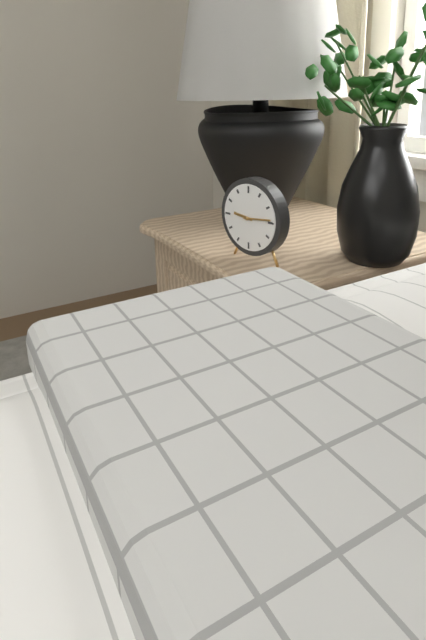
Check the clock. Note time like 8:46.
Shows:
9:14
